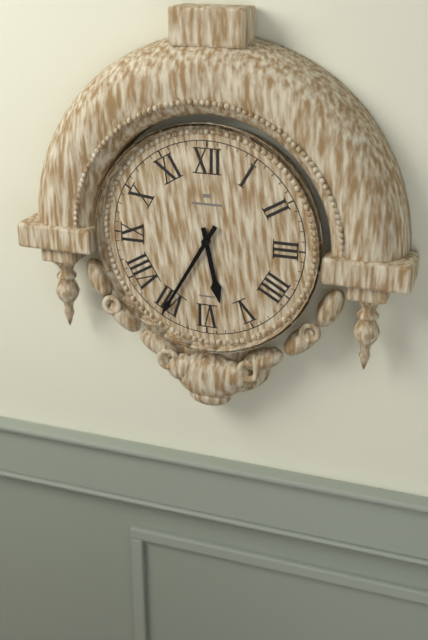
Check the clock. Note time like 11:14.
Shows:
5:35
